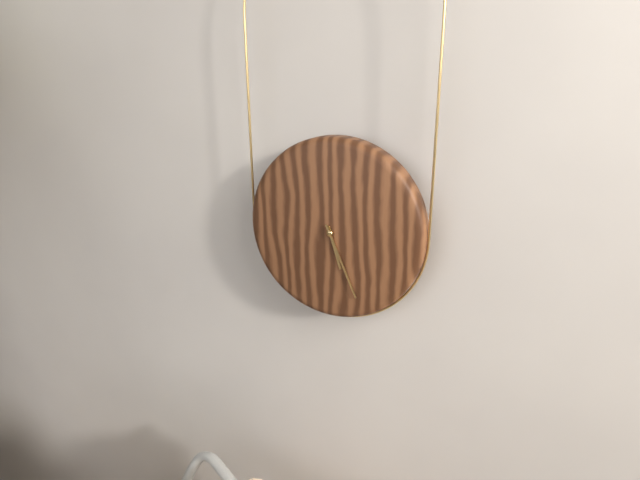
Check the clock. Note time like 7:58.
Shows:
5:26
